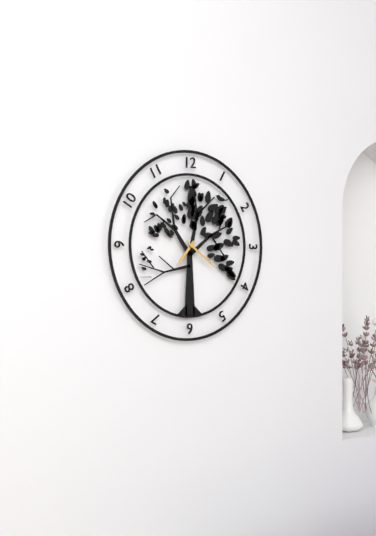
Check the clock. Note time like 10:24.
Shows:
7:21
